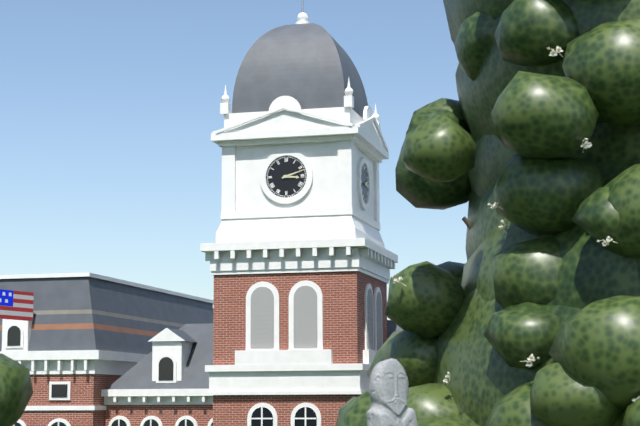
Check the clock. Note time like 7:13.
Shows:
3:12
